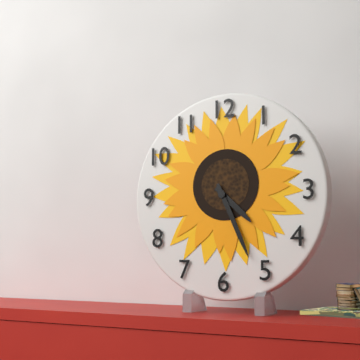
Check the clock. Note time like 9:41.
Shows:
4:26
